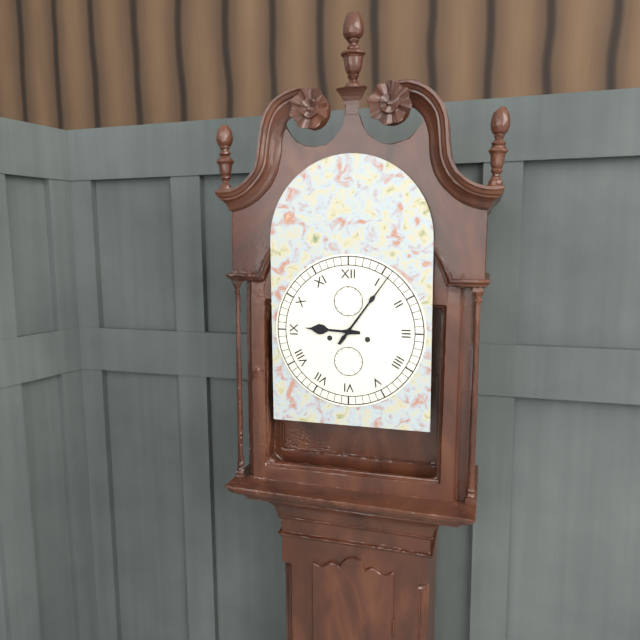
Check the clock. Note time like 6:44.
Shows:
9:06
